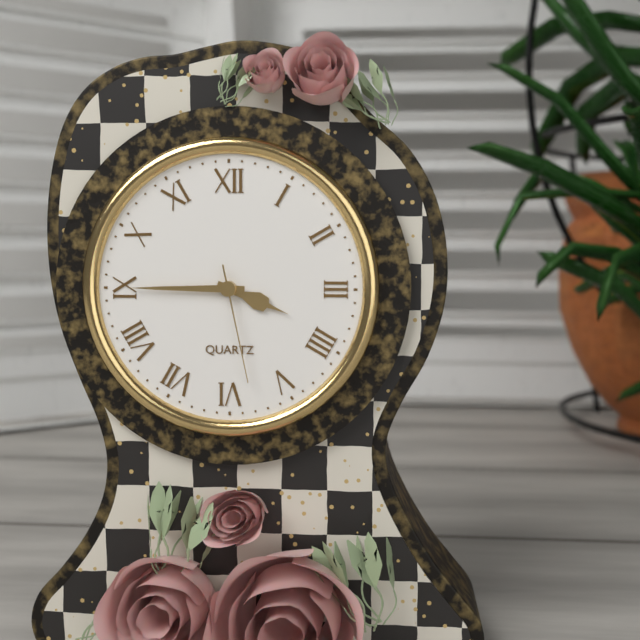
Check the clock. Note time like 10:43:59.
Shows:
3:45:28
